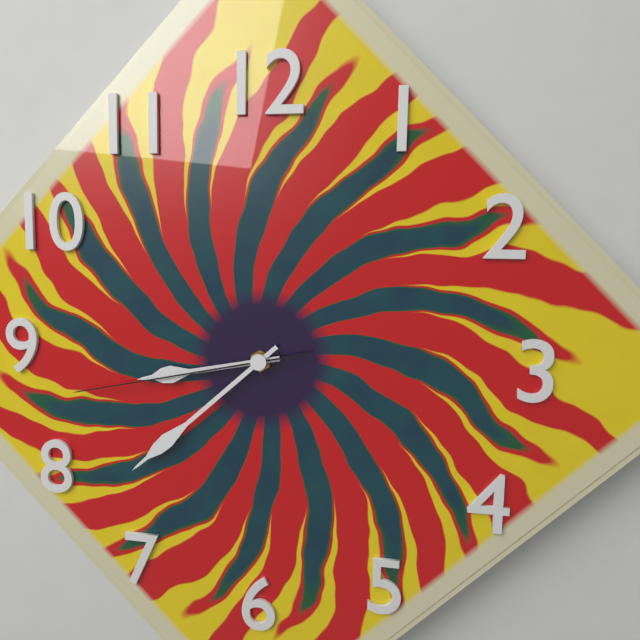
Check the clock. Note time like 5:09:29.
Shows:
8:38:43
